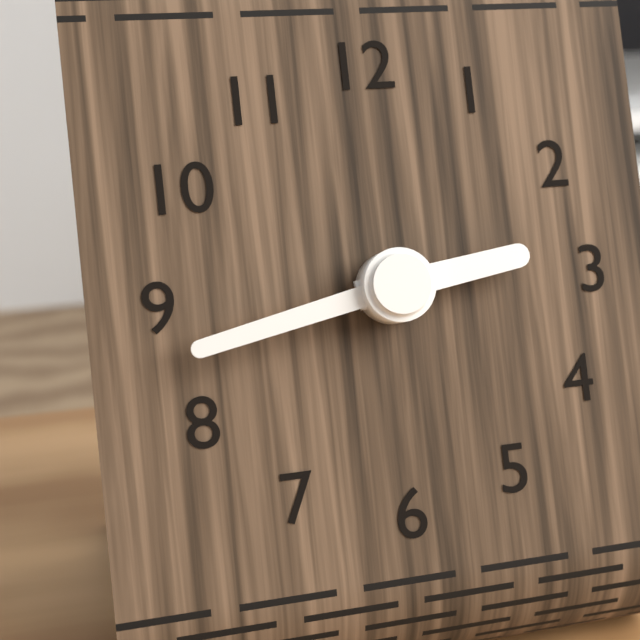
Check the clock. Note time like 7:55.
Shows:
2:43
